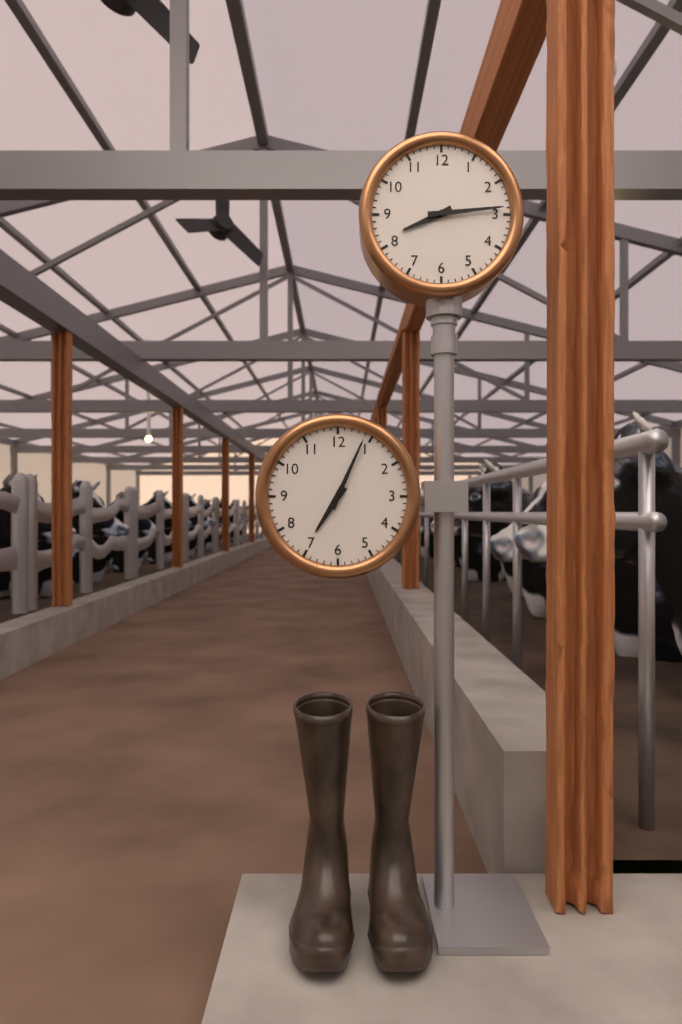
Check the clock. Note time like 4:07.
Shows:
8:14
